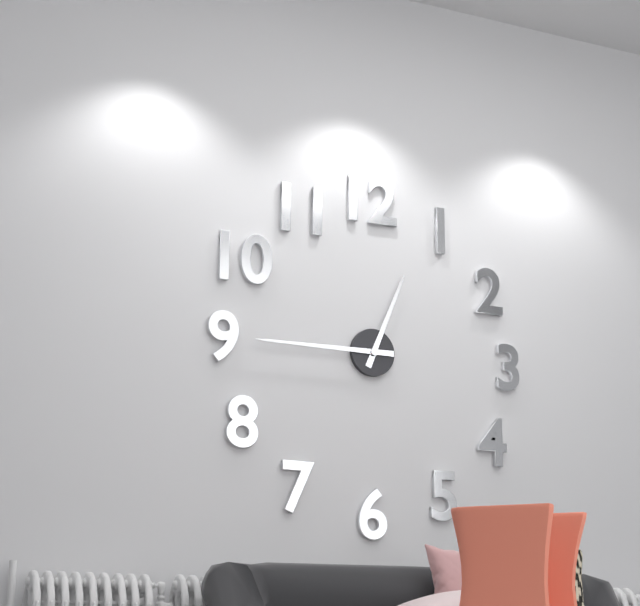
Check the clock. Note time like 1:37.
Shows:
12:45
